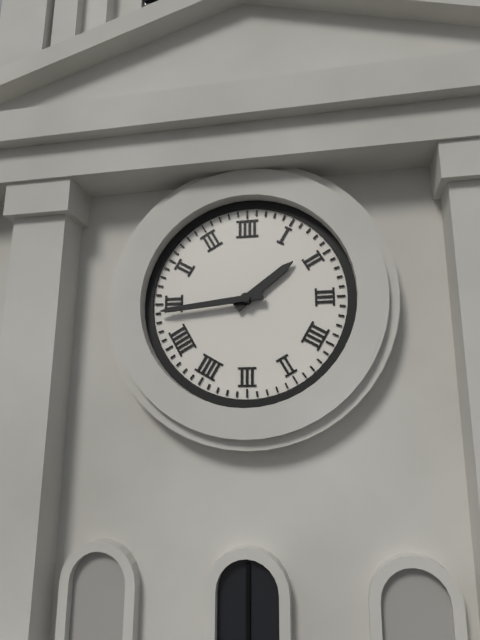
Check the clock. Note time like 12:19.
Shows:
1:44
